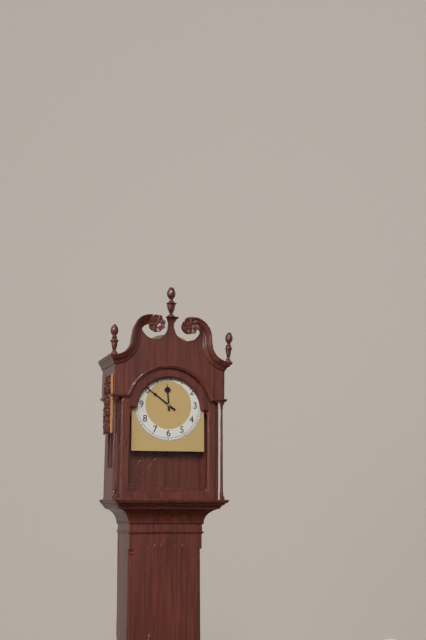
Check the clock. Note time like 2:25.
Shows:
11:51
